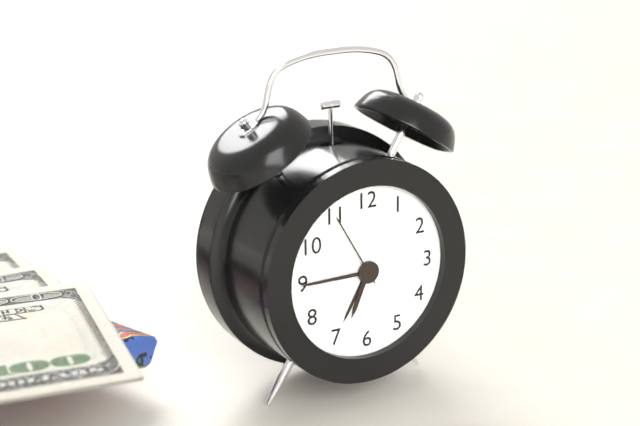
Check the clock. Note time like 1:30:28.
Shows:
6:45:55
